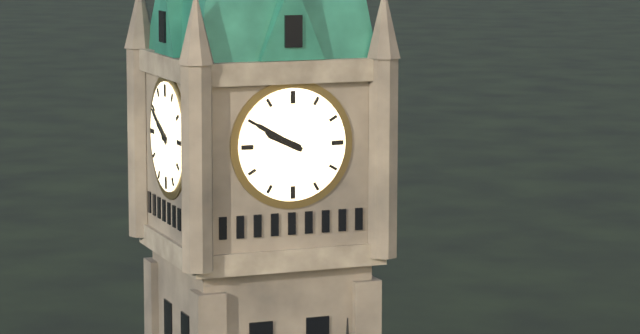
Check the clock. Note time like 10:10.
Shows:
9:50
